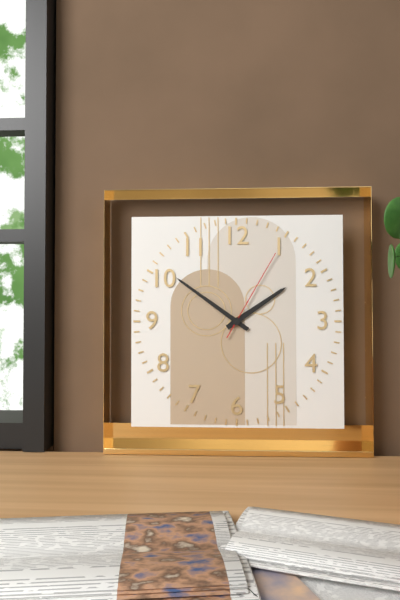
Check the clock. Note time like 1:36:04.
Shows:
1:51:05
